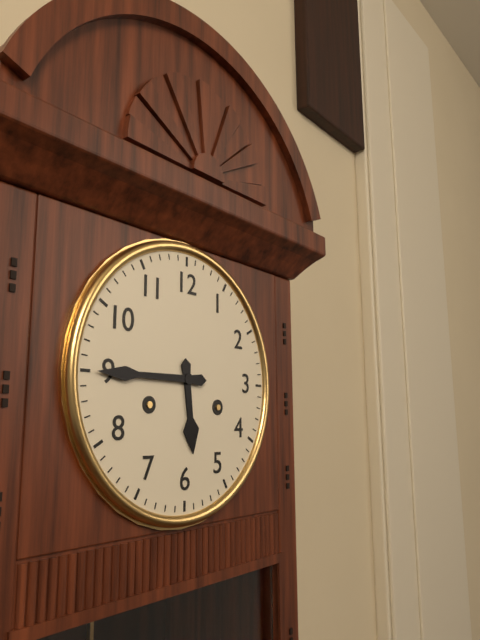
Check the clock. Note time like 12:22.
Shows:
5:45
